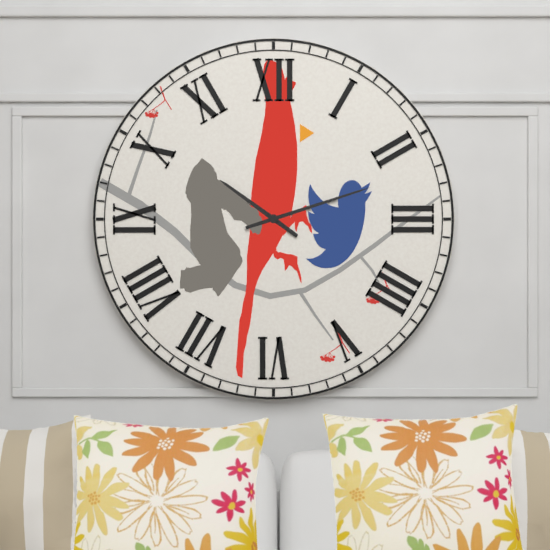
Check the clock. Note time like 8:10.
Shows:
10:12
